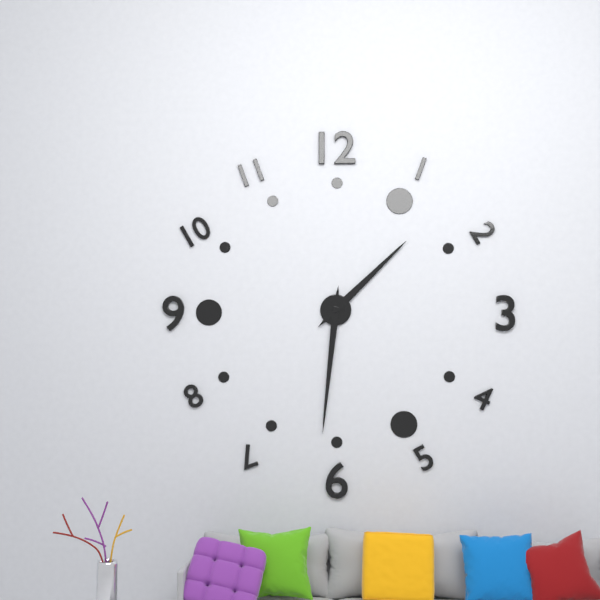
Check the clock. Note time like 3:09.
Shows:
1:31
